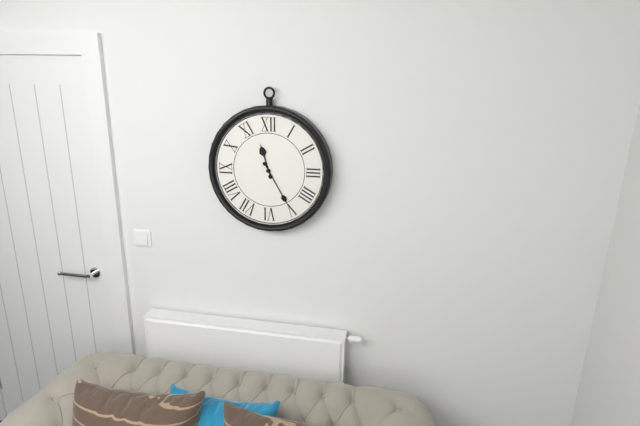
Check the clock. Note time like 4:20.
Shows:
11:25
